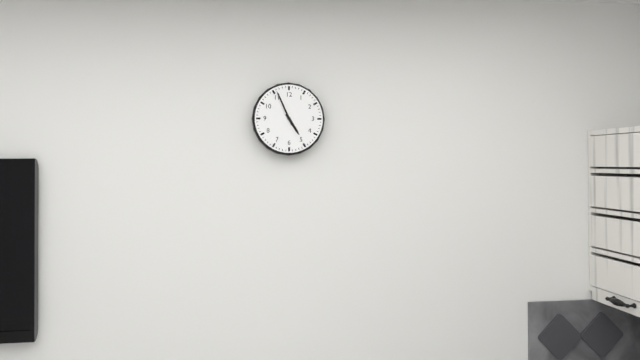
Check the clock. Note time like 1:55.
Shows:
4:56
